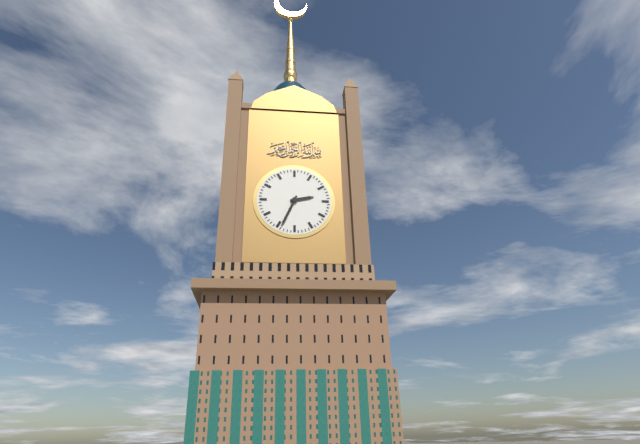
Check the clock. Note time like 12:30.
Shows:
2:34
